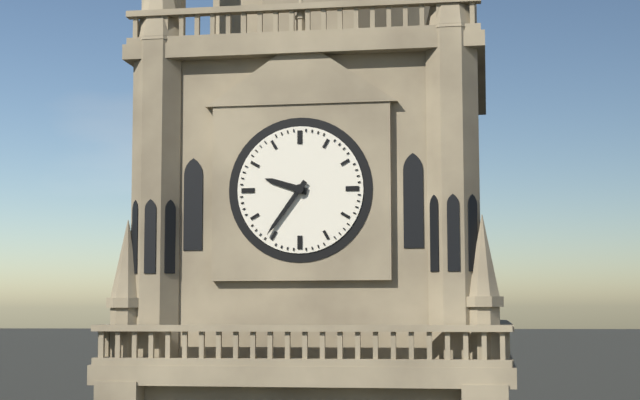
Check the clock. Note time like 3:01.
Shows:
9:36
